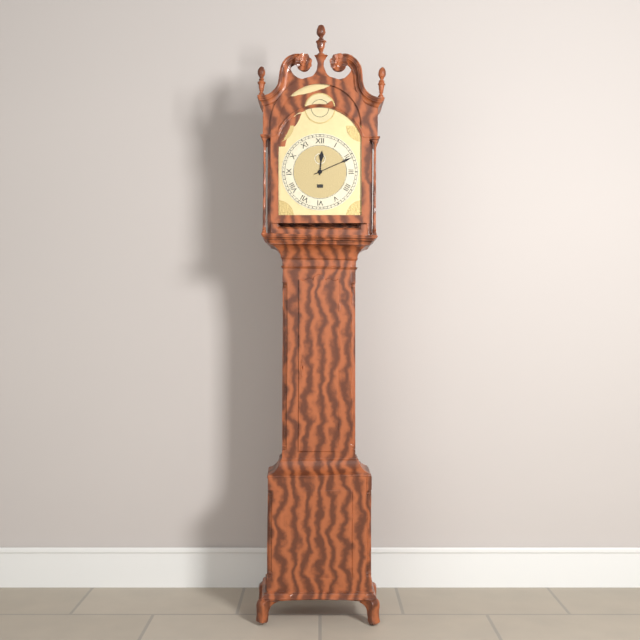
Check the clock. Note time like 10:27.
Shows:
12:11
